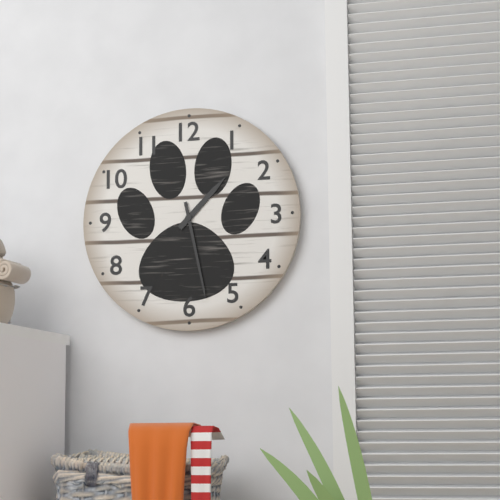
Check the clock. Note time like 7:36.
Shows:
1:28
